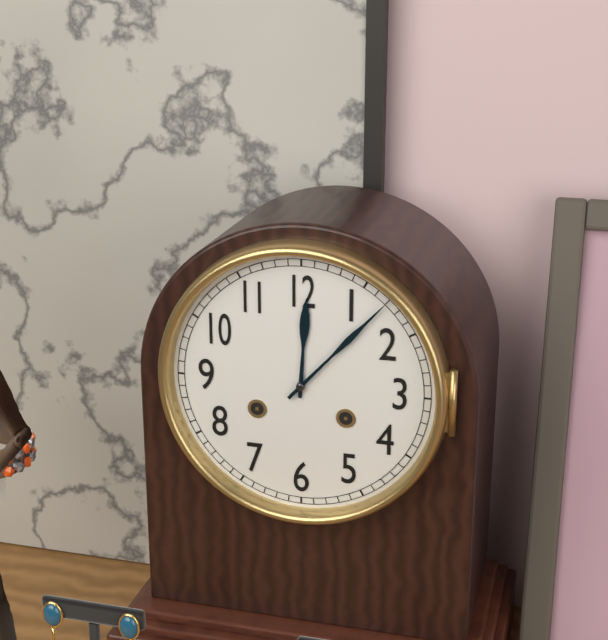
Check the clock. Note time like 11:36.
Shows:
12:07
